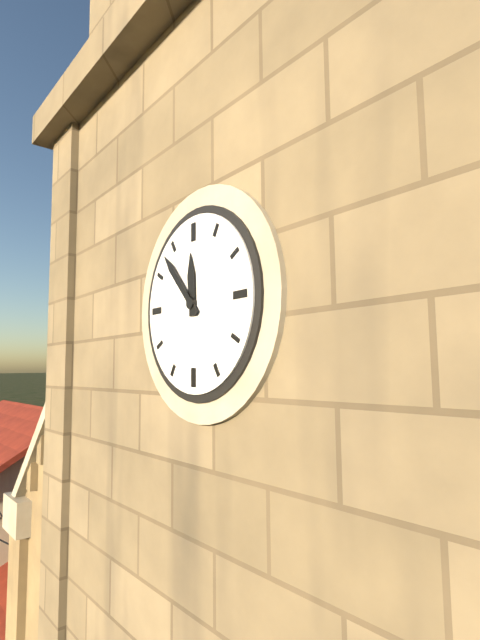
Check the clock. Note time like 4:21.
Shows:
11:53
